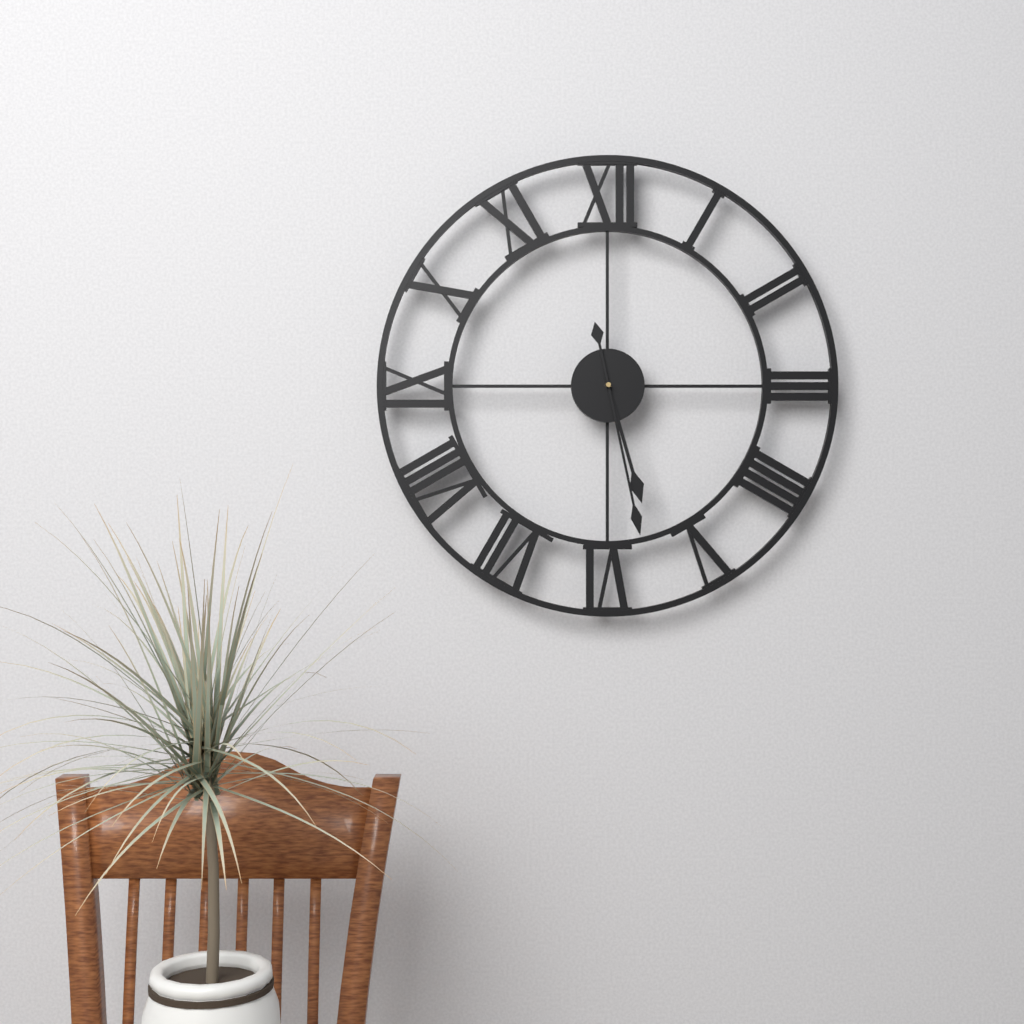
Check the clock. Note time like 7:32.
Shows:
5:28
